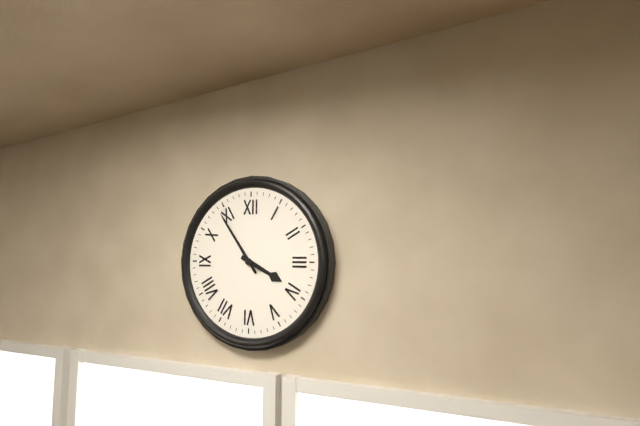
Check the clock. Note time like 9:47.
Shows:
3:54
